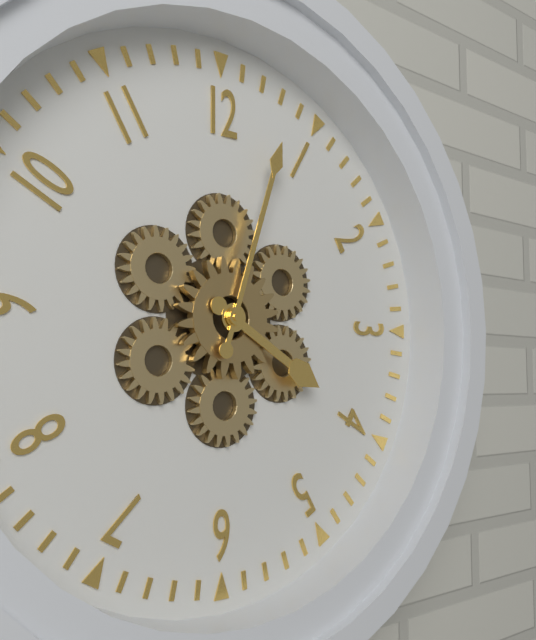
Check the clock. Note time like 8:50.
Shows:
4:03
